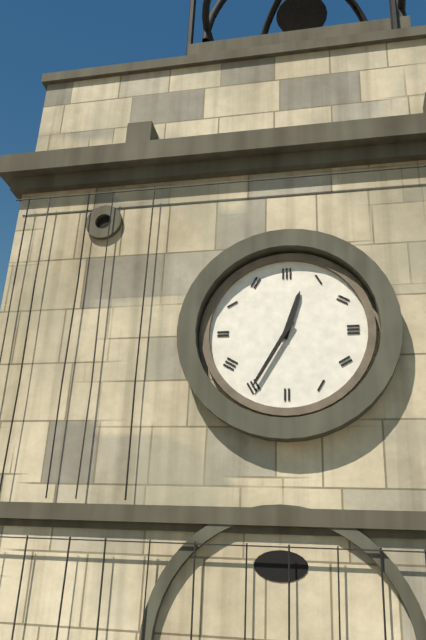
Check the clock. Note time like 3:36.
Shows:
12:35
